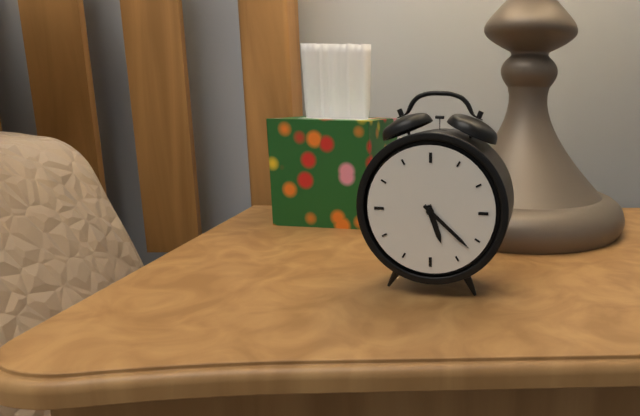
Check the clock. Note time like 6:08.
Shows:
5:22
